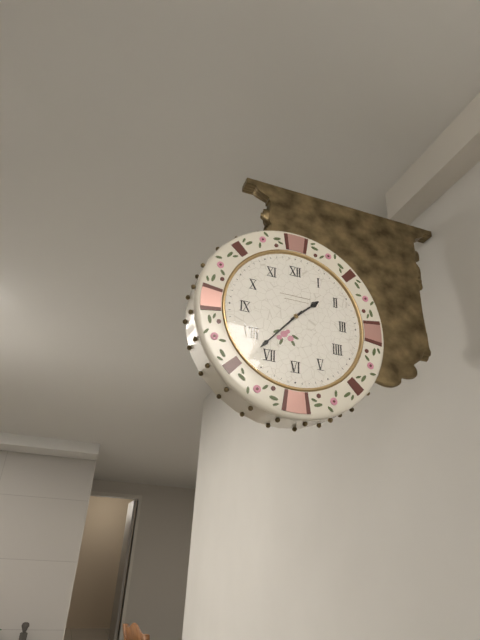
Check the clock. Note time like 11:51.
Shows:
1:37
